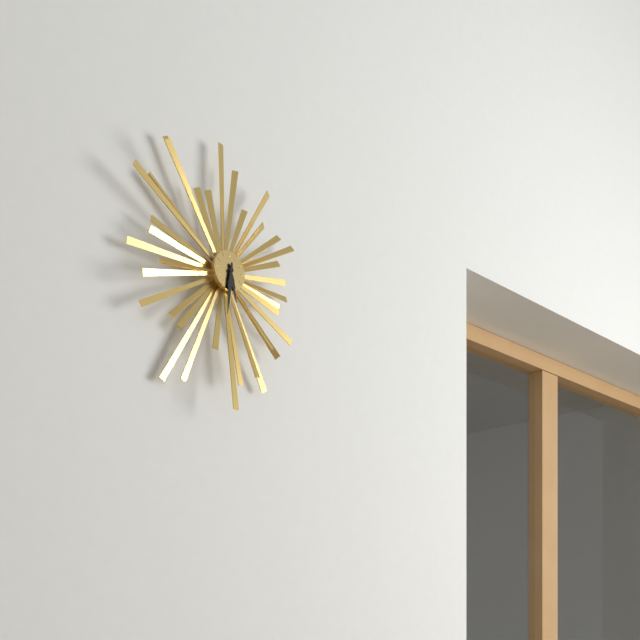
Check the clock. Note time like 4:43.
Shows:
5:31
